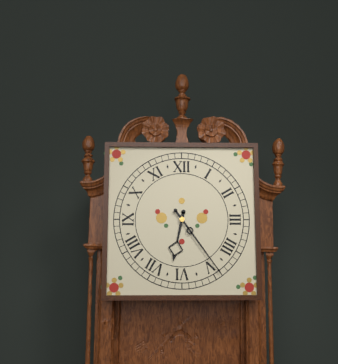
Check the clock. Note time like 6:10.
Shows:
6:24
